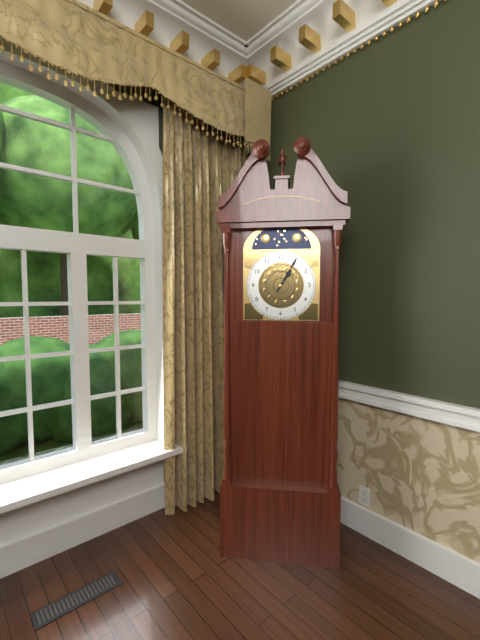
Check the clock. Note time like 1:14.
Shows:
1:05
